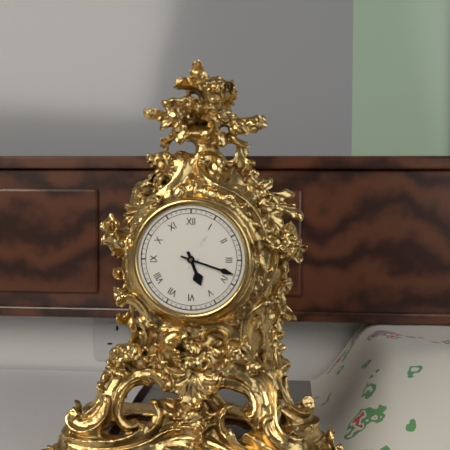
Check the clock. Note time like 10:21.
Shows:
5:18
